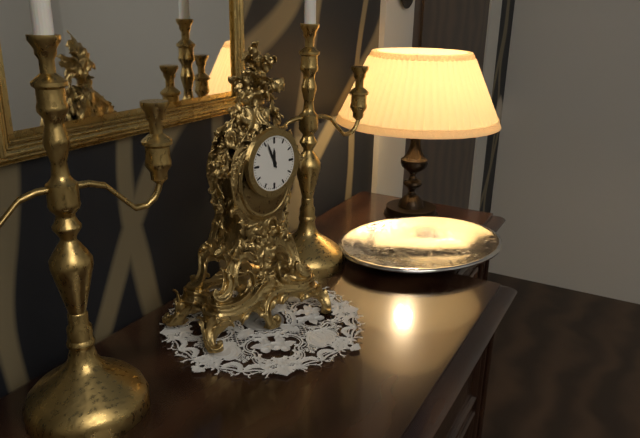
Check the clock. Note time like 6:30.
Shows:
11:56
